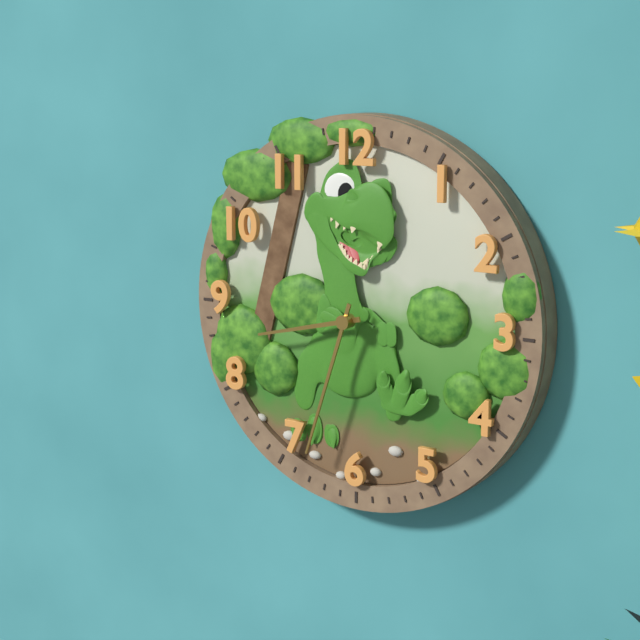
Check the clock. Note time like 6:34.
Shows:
8:33
